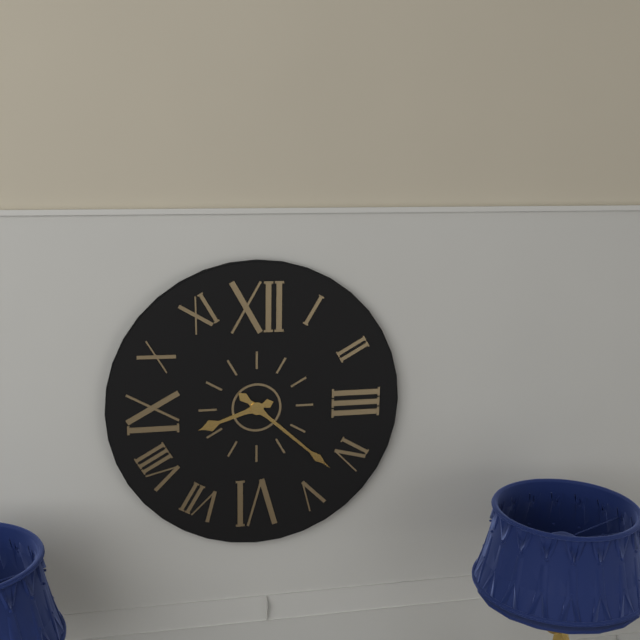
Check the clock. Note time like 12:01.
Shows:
8:22
